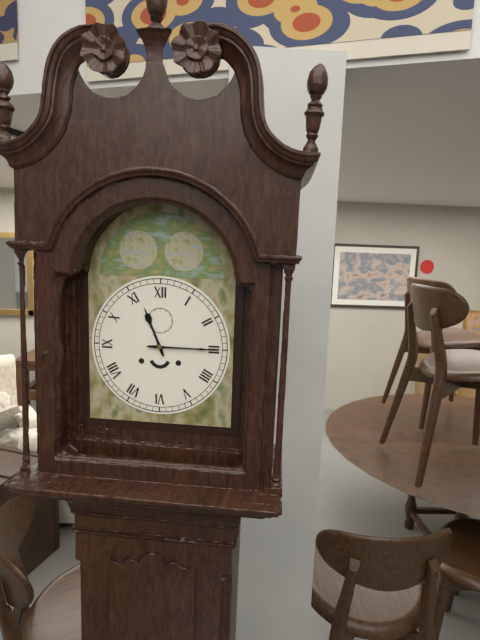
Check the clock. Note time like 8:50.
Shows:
11:15
